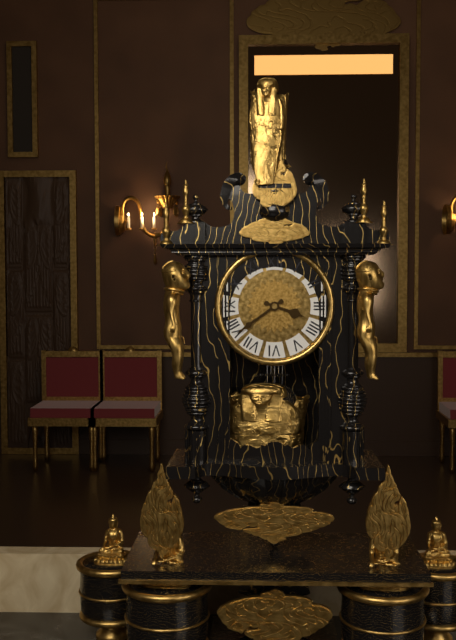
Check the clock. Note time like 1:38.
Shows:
3:39
